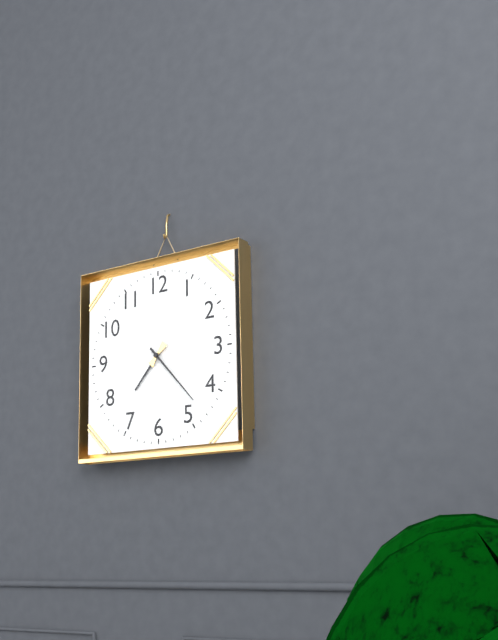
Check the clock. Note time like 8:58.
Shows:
7:23
